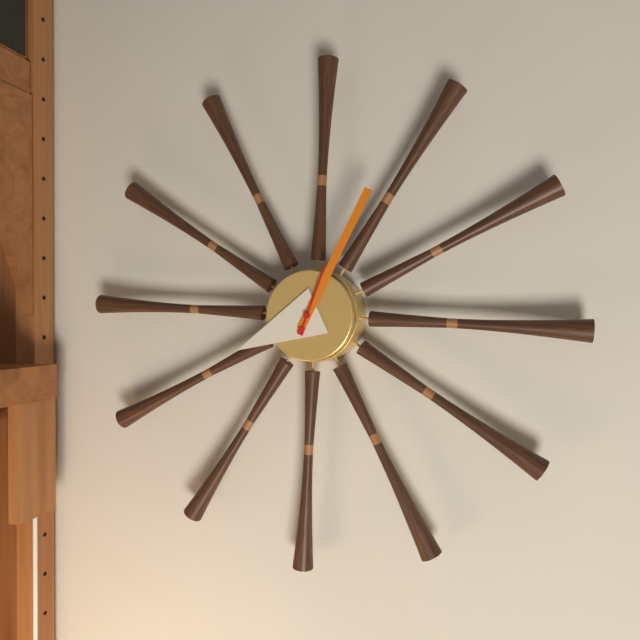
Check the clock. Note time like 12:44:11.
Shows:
8:04:03
